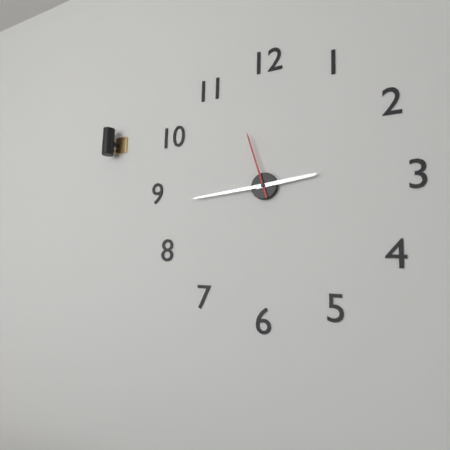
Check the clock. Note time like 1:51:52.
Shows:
2:44:57
